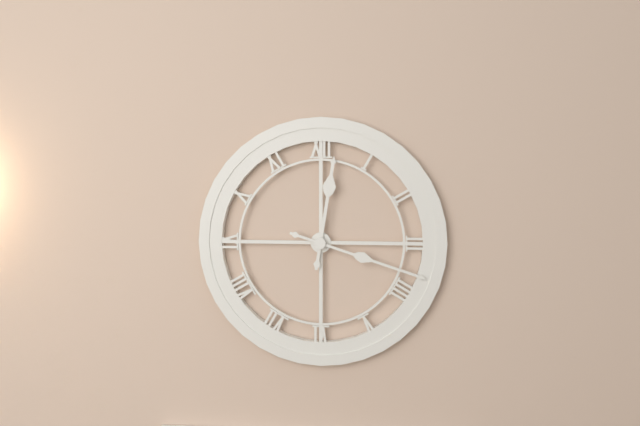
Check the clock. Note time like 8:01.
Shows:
12:18
